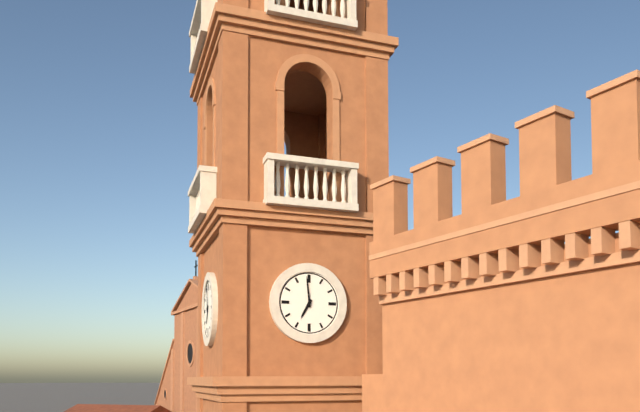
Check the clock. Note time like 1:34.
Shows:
6:59
